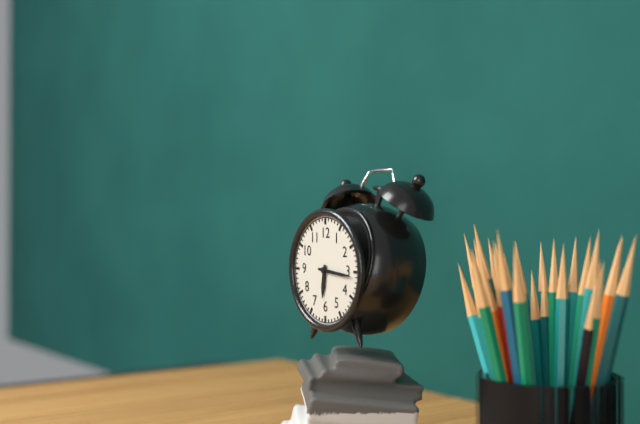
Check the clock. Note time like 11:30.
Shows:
6:16
